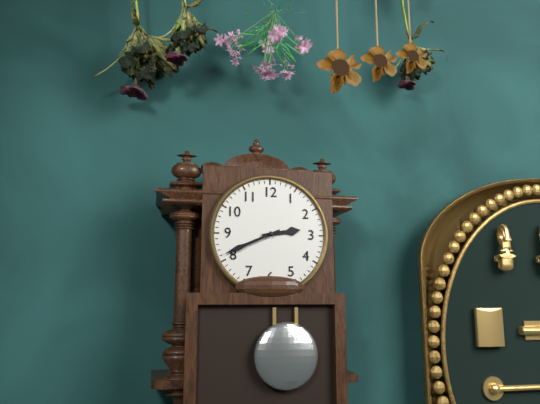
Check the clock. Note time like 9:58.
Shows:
2:41
